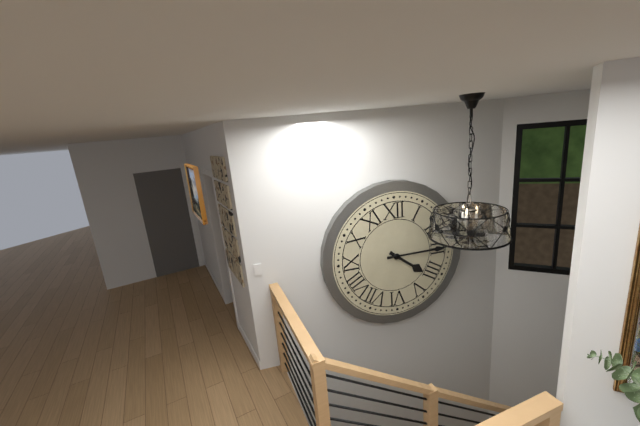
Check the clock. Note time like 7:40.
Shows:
4:15
